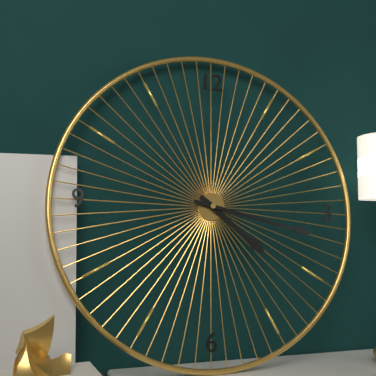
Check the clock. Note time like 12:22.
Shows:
4:17
